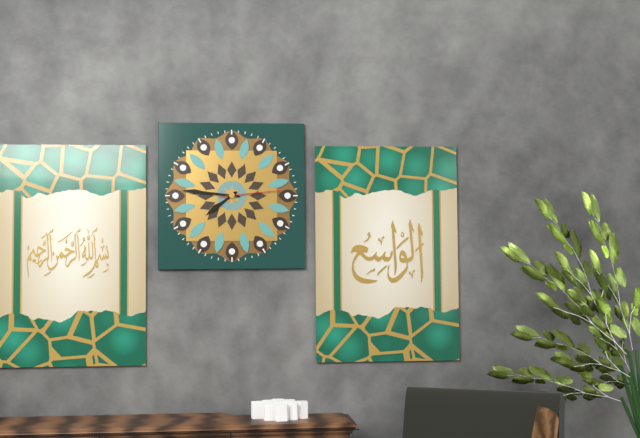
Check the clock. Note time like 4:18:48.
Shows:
7:46:14
